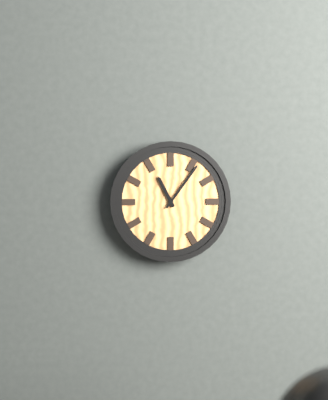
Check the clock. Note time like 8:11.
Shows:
11:06
